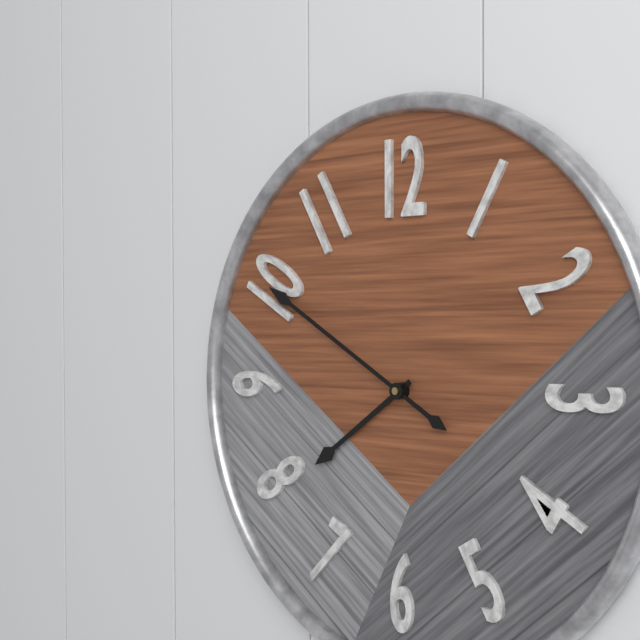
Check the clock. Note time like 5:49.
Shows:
7:50
